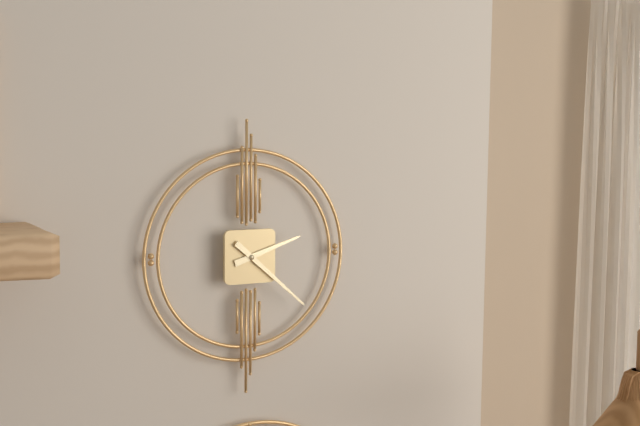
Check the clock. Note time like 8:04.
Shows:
2:22
